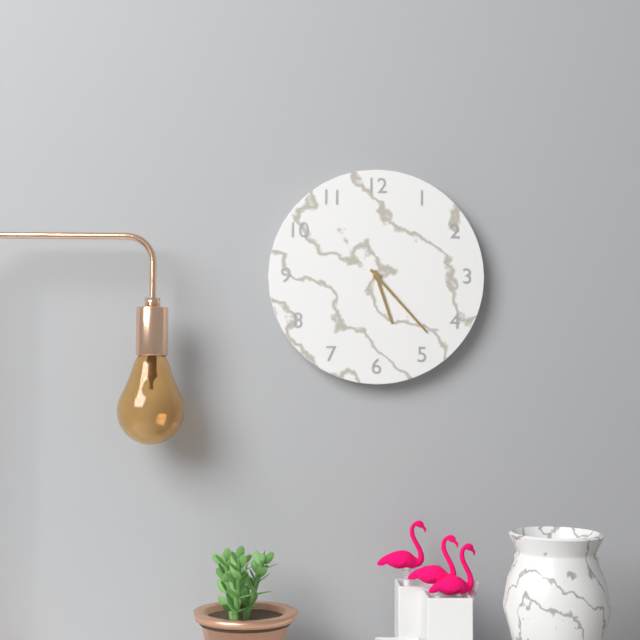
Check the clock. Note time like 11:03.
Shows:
5:23
